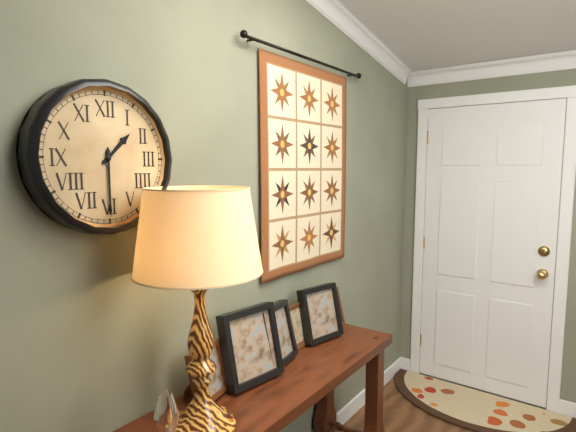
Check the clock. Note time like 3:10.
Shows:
1:30
